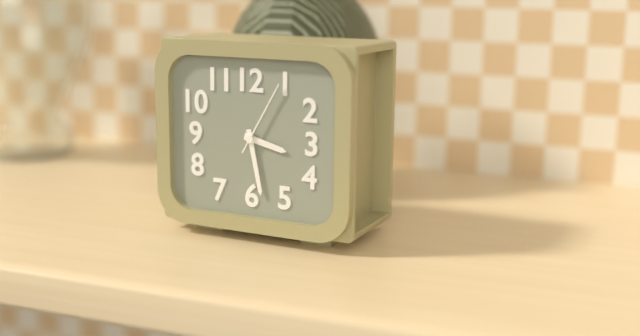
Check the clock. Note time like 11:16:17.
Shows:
3:28:05
